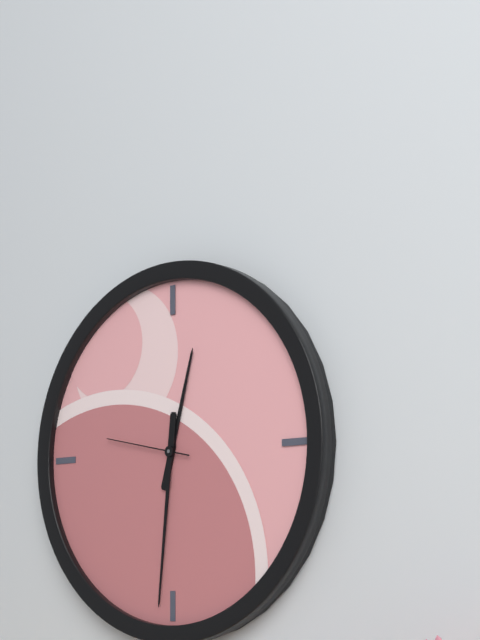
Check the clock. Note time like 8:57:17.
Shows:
12:31:47
